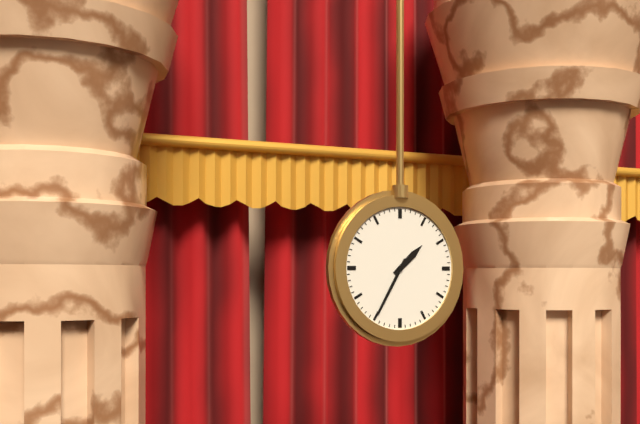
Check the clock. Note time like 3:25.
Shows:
1:35
